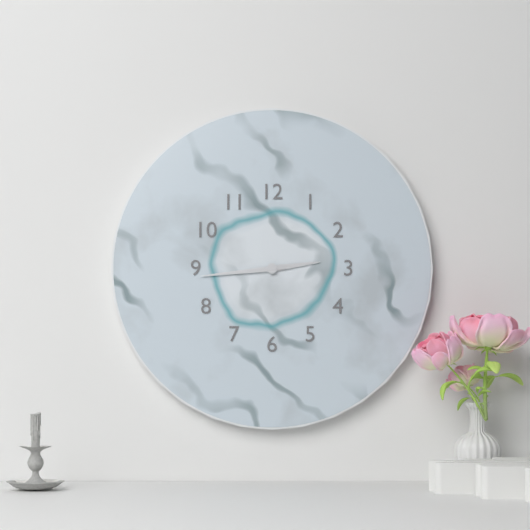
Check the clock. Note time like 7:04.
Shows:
2:44
